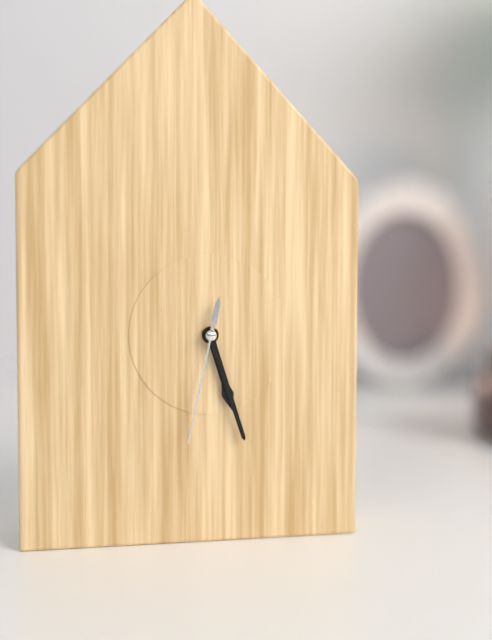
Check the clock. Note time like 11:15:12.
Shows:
5:27:32
